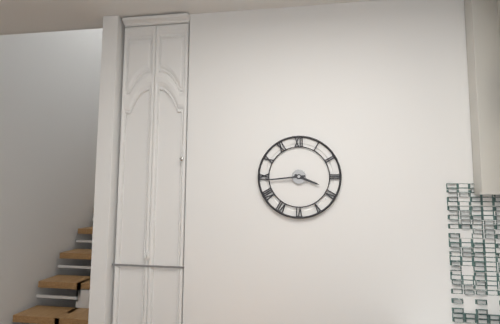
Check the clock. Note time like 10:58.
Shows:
3:44
